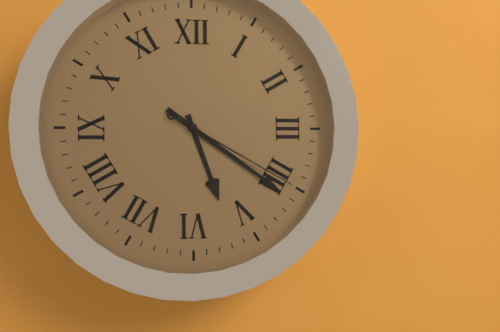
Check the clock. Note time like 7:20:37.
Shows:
5:21:20
